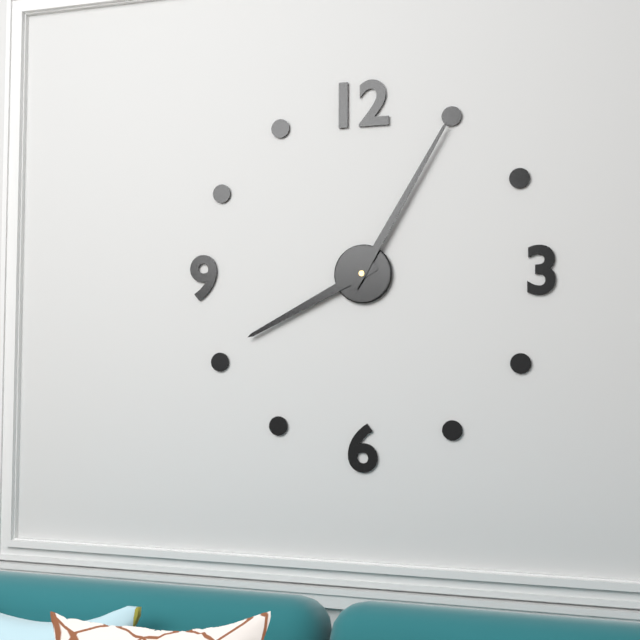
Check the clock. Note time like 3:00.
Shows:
8:05
